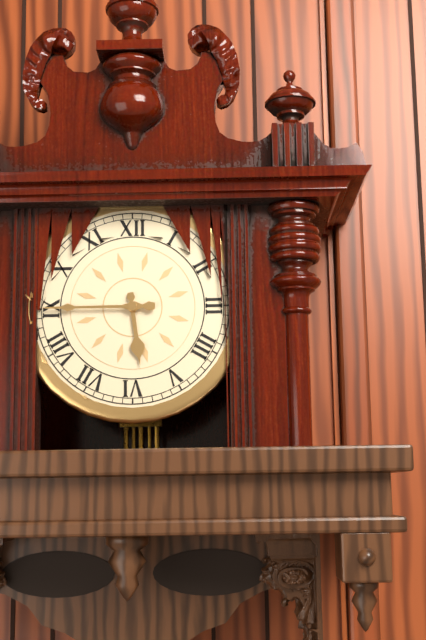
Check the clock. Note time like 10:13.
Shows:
5:45
